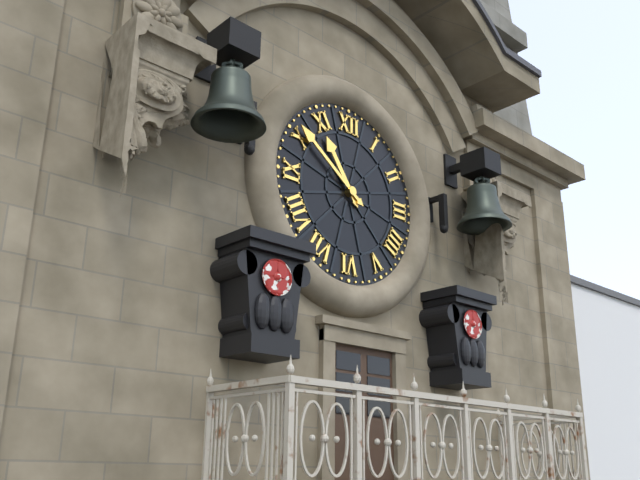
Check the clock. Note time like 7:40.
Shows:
10:51
